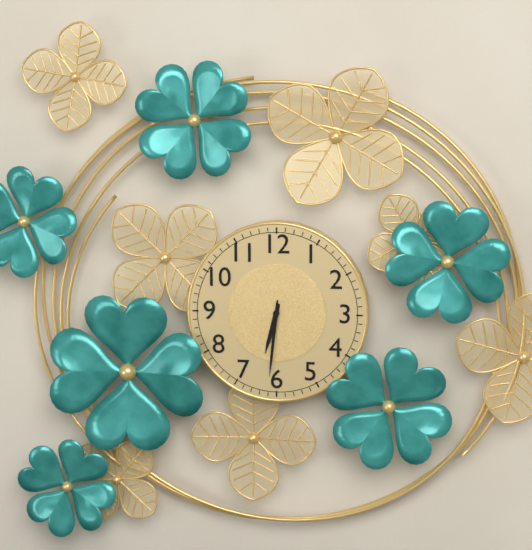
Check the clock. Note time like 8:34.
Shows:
6:31
